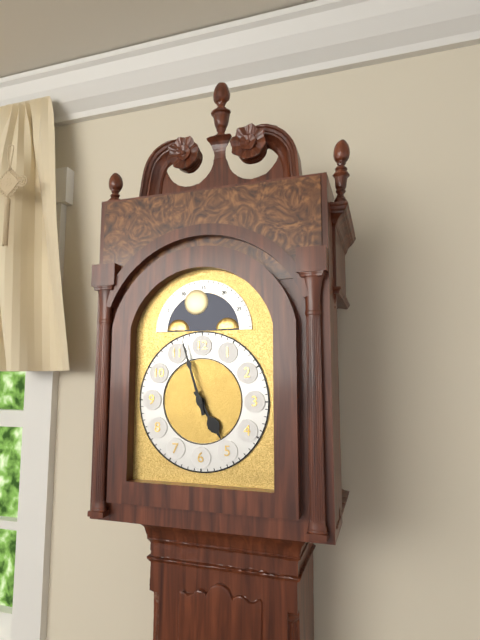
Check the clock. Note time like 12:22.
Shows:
4:57
